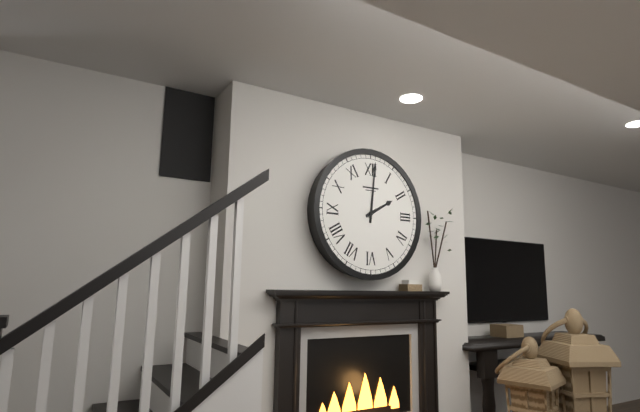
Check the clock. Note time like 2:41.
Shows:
2:01
